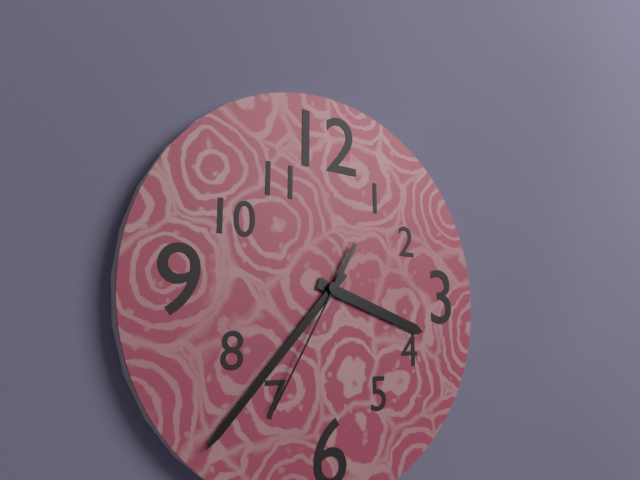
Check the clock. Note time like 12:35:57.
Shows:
3:37:35
